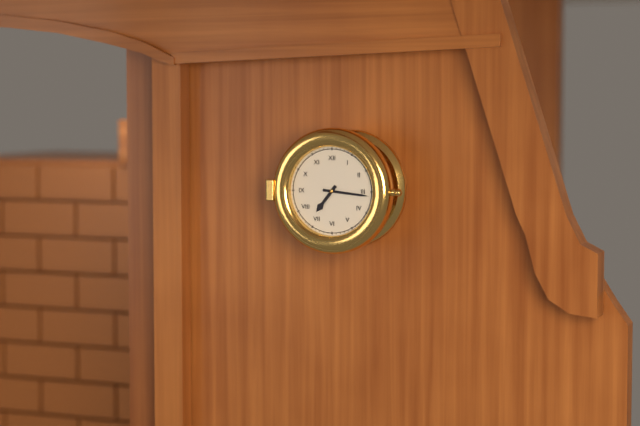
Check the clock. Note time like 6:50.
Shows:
7:16
